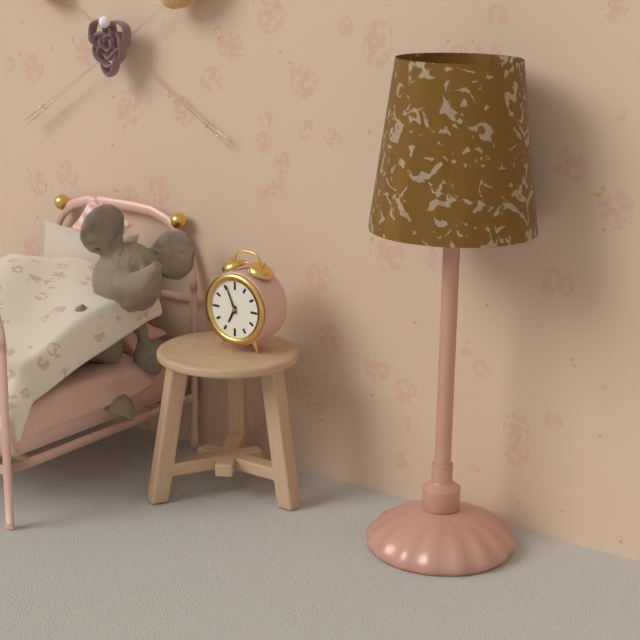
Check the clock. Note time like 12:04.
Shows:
6:56
